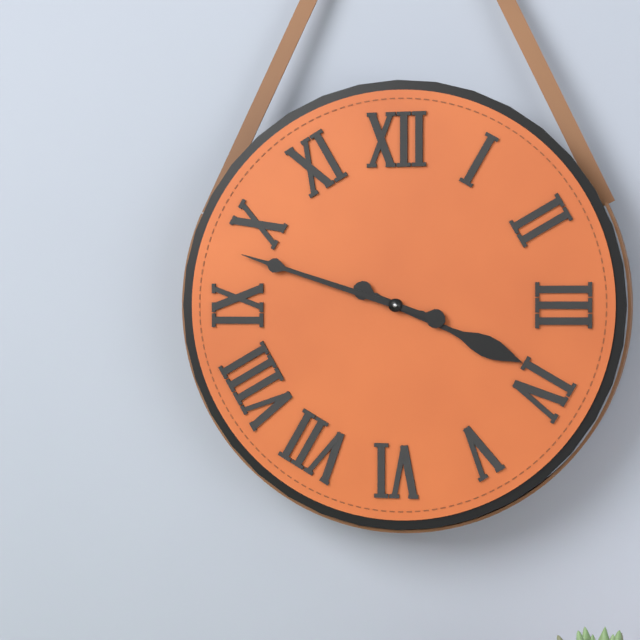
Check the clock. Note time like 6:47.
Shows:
3:48
